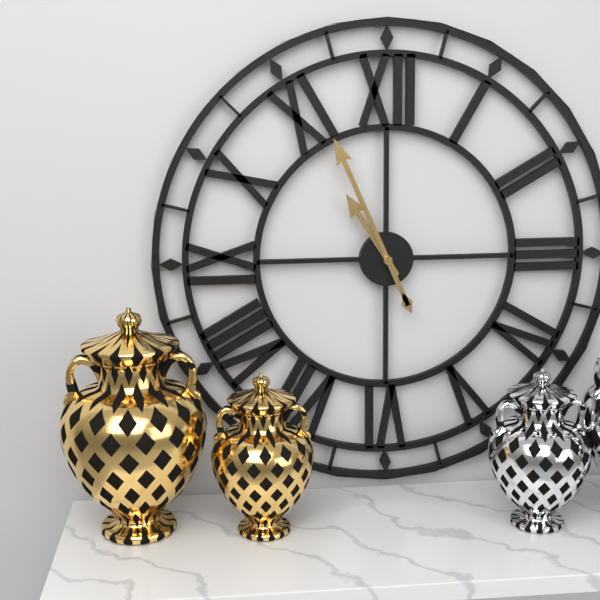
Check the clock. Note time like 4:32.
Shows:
10:56
